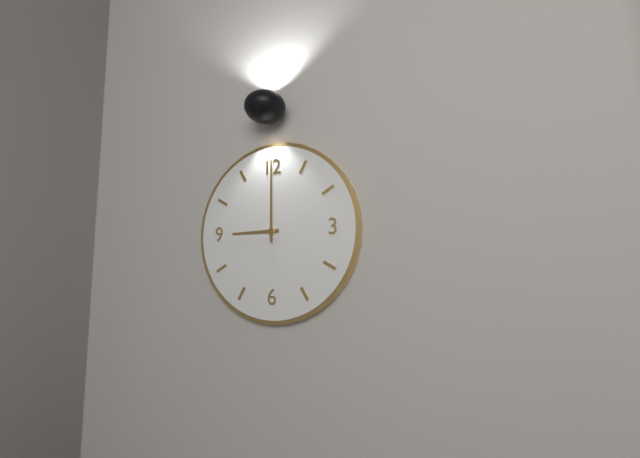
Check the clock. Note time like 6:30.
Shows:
9:00
